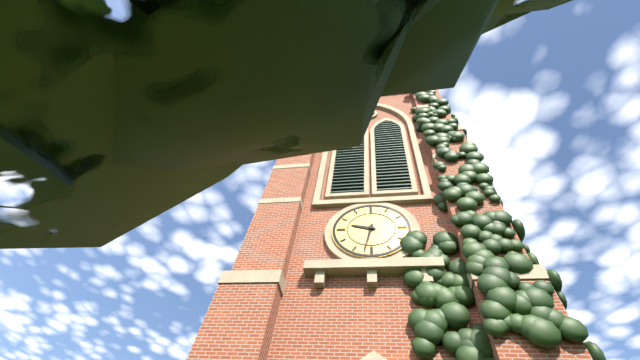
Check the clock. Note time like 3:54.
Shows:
9:32
